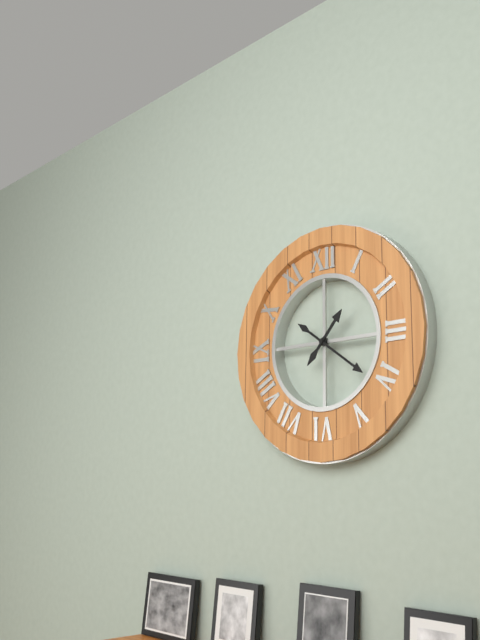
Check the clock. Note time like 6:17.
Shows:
1:21
